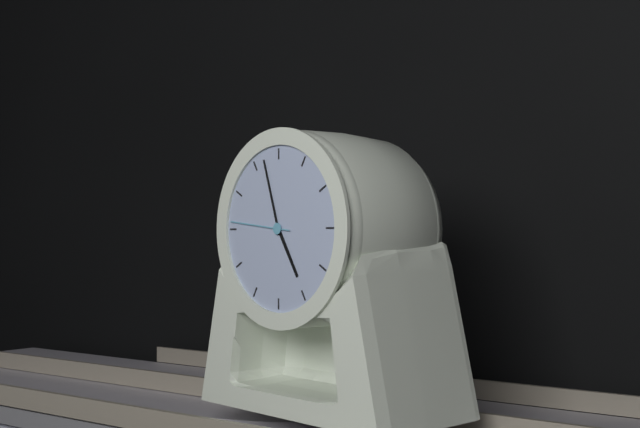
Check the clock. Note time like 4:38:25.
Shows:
4:57:46
